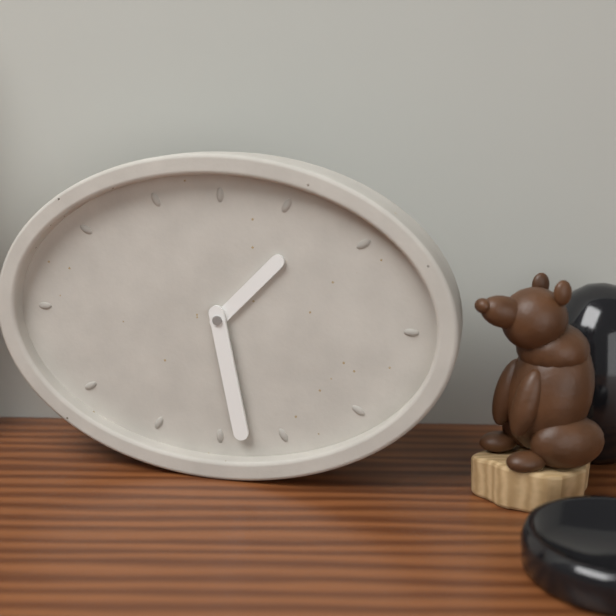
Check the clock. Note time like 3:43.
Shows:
1:28
